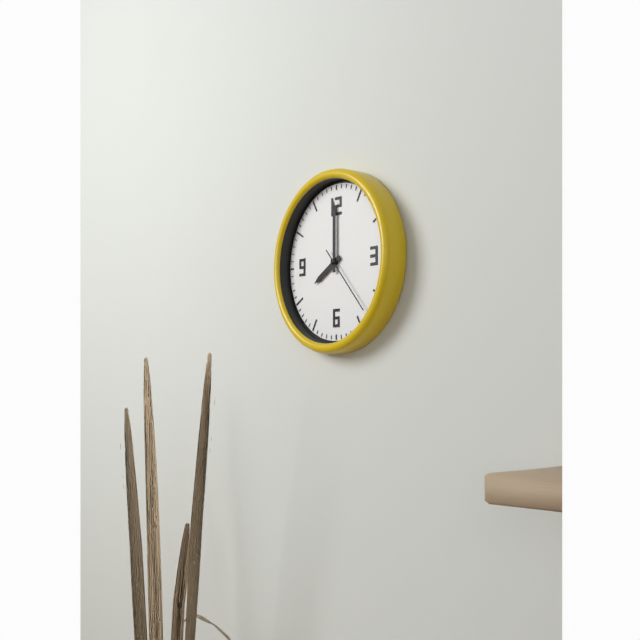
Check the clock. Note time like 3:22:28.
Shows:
8:00:23
